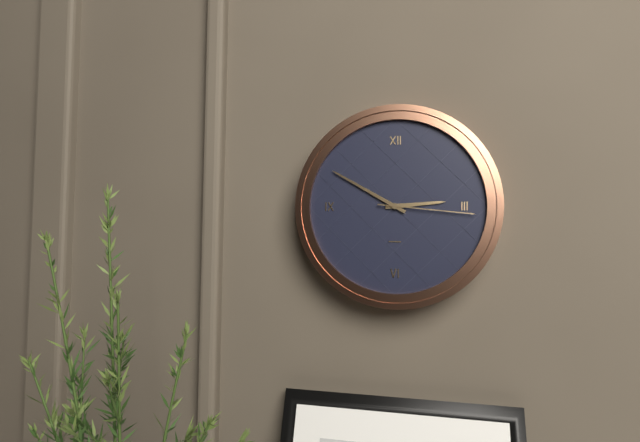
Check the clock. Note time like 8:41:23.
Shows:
2:50:16
